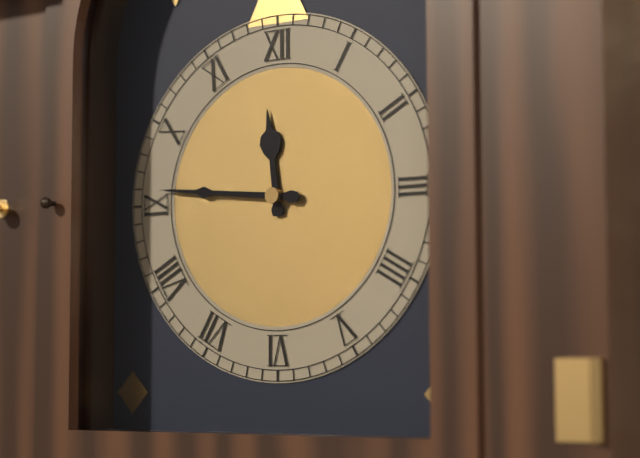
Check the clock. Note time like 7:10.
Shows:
11:46
